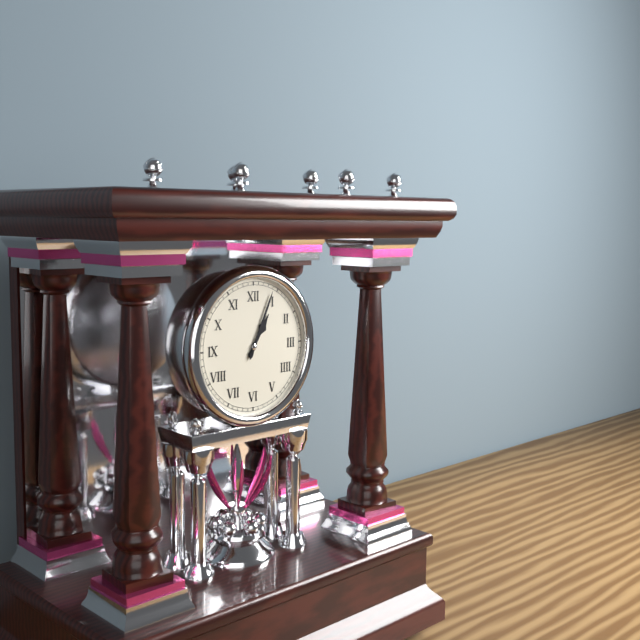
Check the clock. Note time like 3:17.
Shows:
1:04
